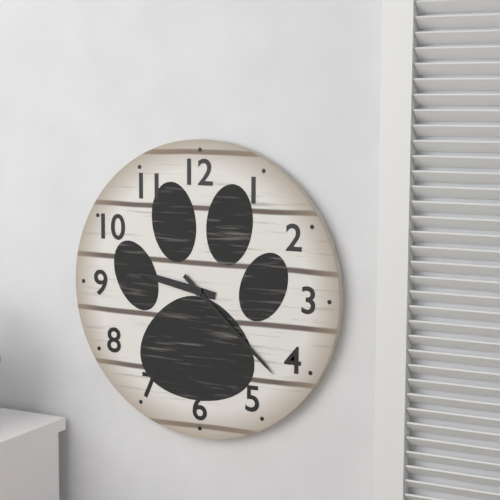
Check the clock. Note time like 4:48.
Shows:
9:22
